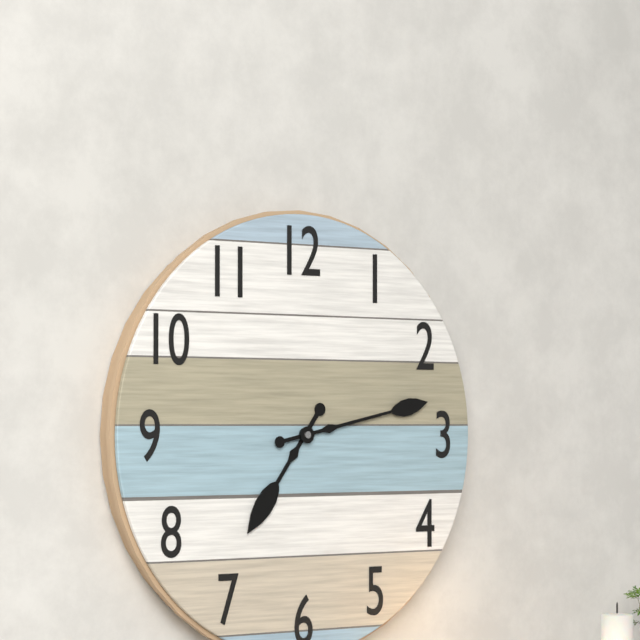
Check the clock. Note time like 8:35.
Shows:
7:13
